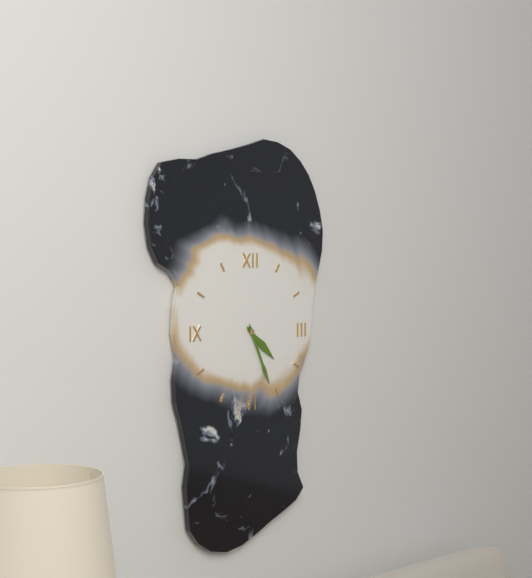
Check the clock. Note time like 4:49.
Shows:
4:26
